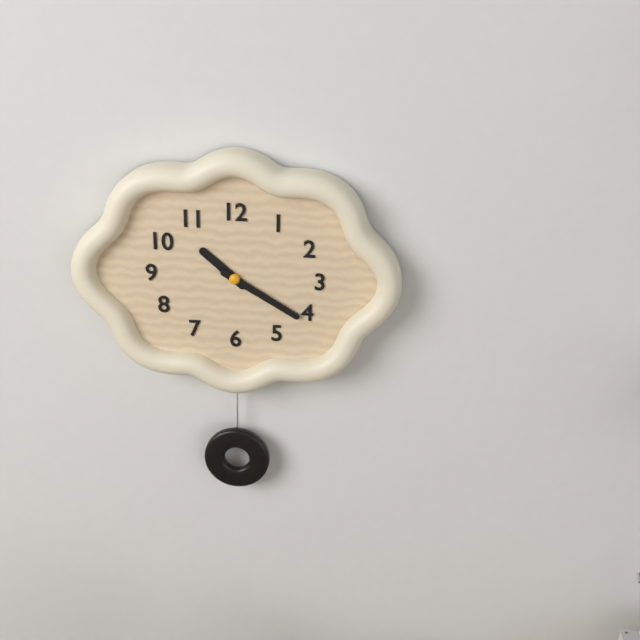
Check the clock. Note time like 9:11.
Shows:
10:20
